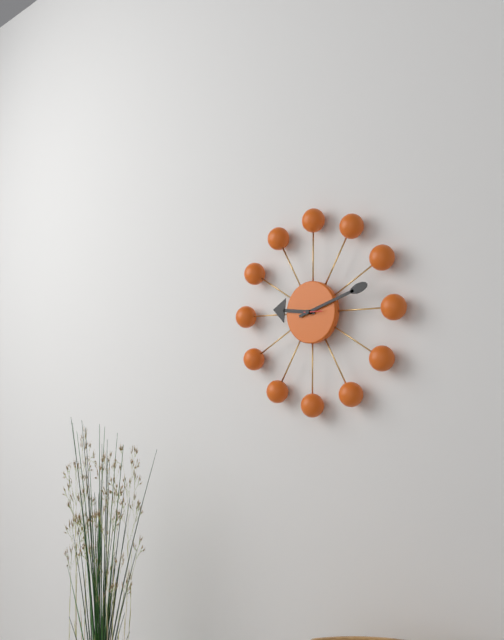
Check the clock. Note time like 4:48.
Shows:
9:12
